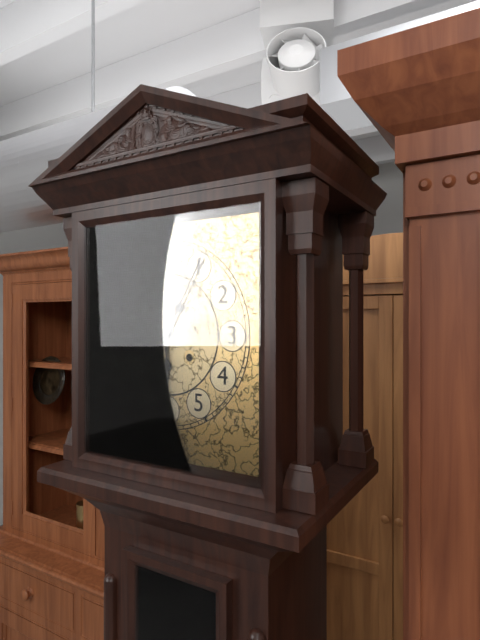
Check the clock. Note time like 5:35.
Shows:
6:05
